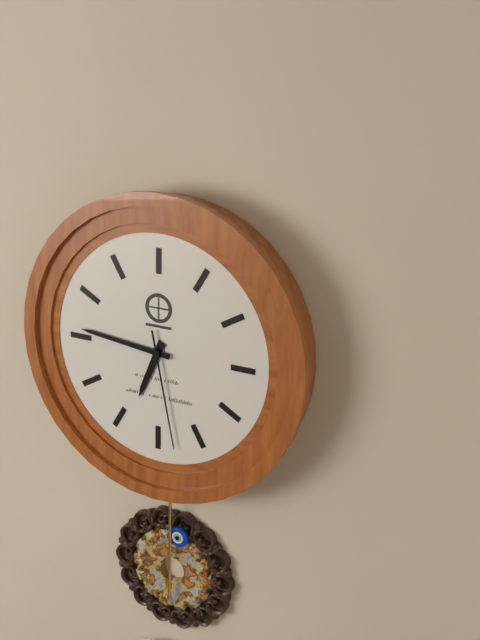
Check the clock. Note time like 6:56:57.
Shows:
6:46:28
